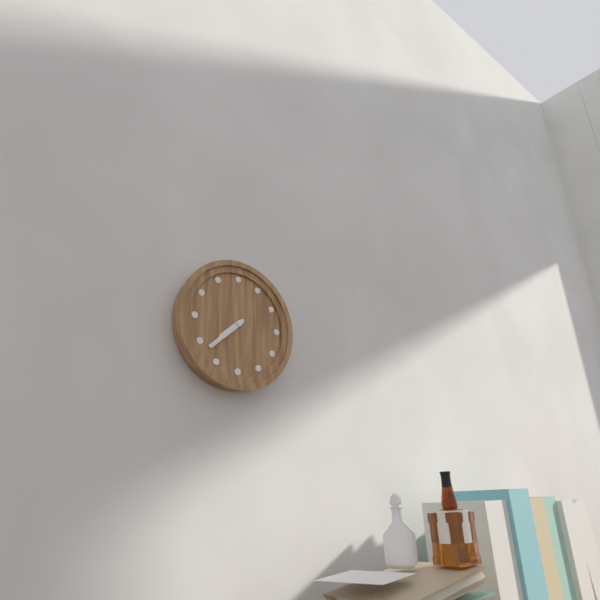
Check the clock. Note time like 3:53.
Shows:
7:38
